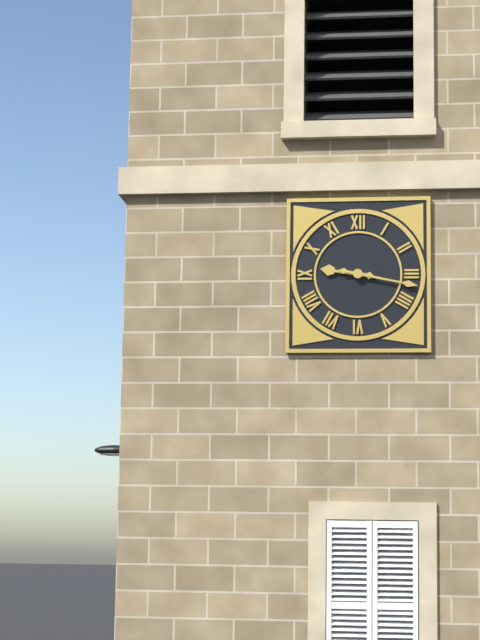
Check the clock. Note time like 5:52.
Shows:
9:17
